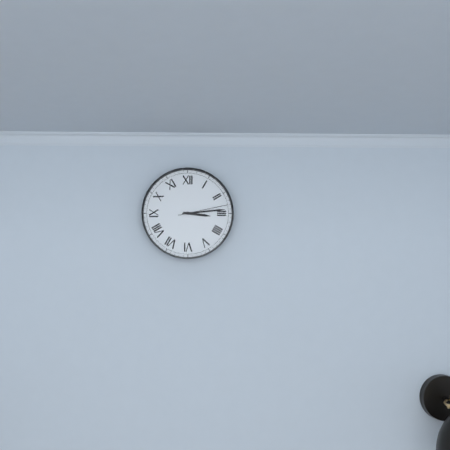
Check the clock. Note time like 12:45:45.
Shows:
3:14:13
